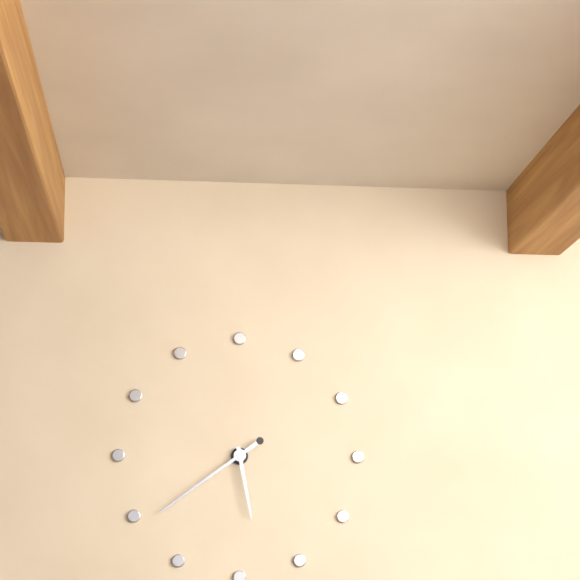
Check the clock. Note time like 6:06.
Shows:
5:39
